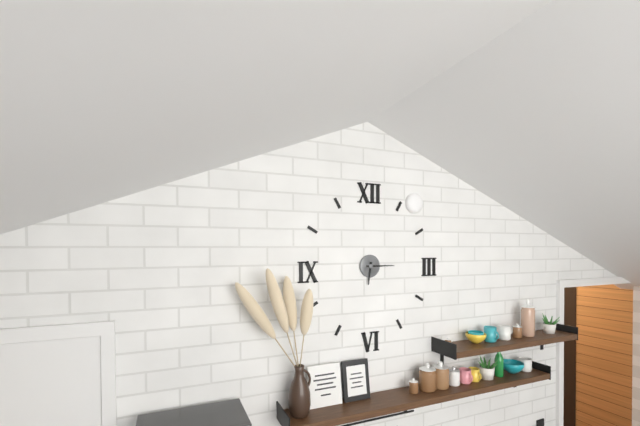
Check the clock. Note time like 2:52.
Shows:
6:15
